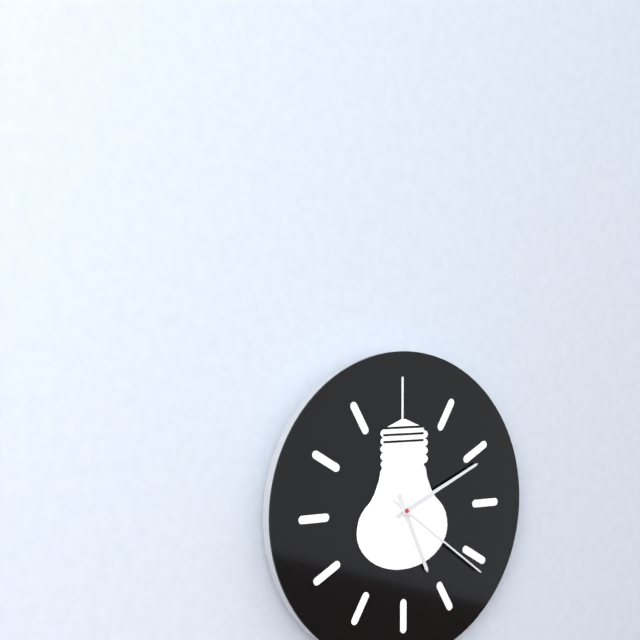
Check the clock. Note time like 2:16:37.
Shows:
5:11:21
